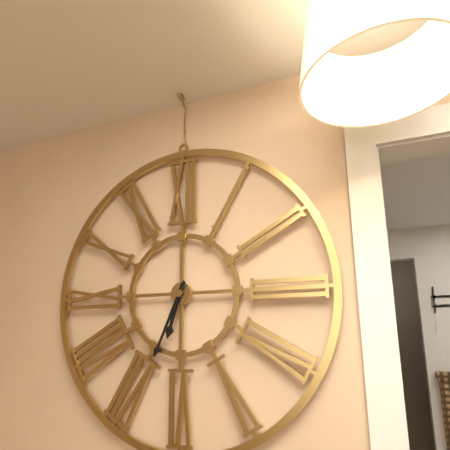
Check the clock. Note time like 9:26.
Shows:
6:34
